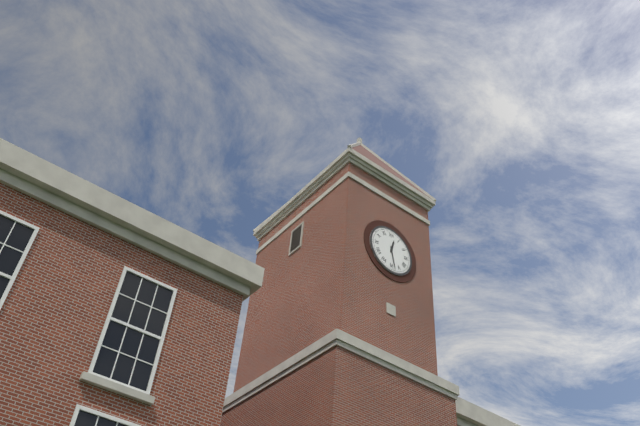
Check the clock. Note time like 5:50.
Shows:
12:28
